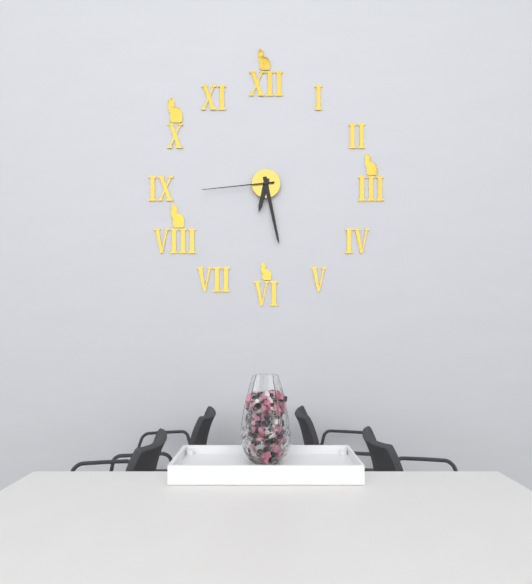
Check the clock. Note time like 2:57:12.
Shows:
6:28:44
